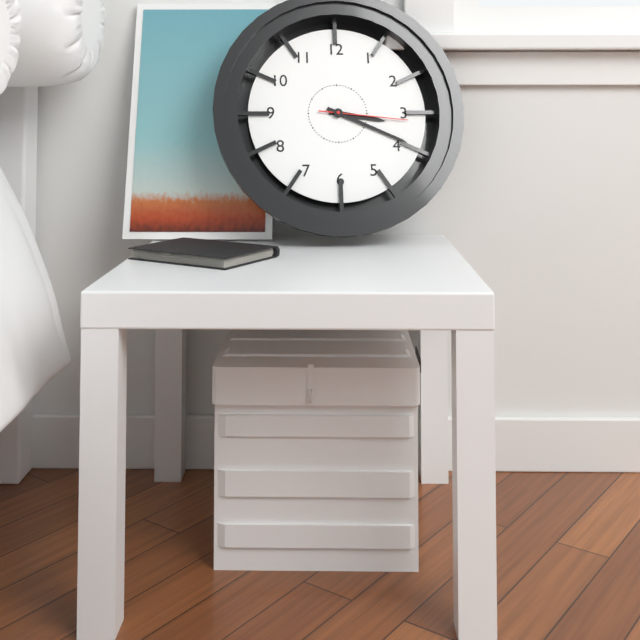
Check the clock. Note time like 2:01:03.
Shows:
3:19:16
